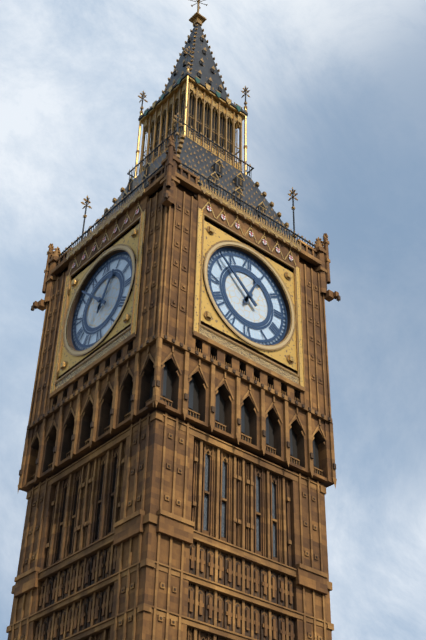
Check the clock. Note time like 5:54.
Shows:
12:52
